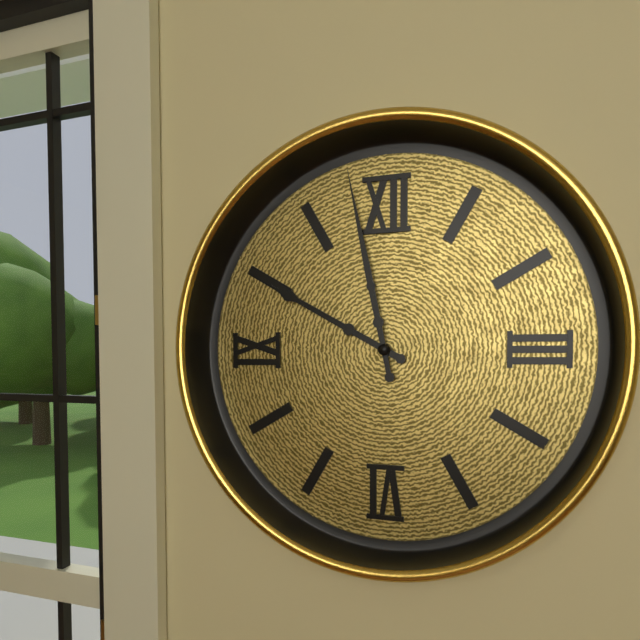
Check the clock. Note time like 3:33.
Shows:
9:58
